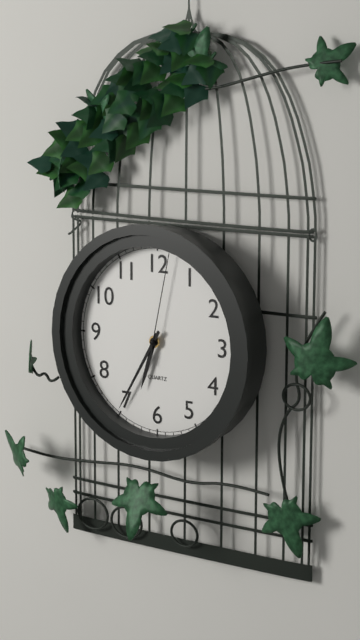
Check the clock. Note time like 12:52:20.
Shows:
6:35:02
